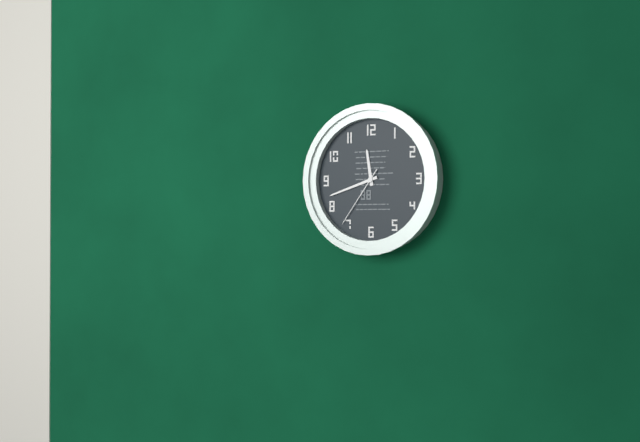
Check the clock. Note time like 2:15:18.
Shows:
11:42:36
